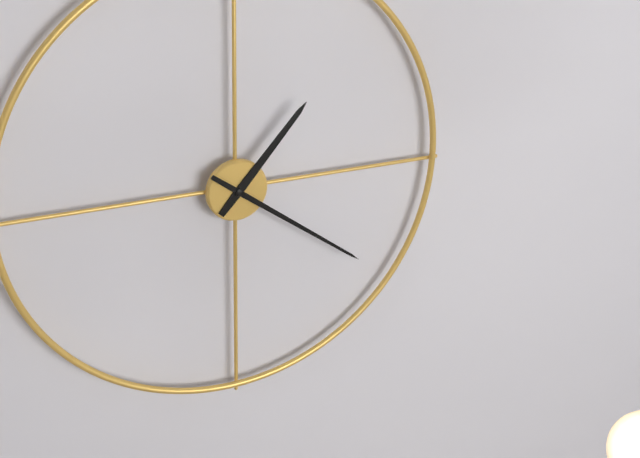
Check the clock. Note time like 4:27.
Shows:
1:21
